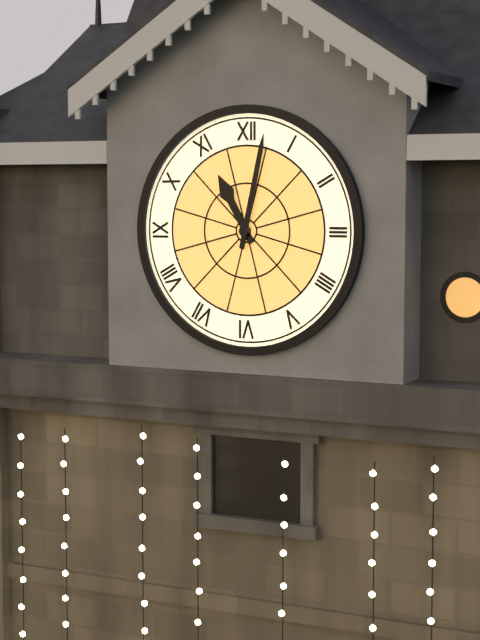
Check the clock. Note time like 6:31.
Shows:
11:02
